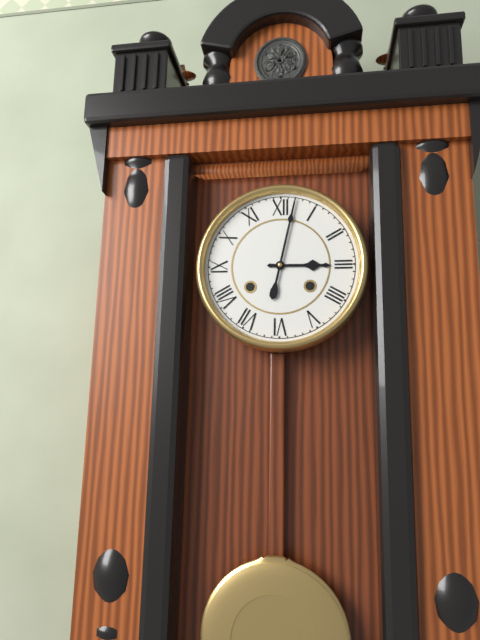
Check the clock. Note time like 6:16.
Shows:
3:02
